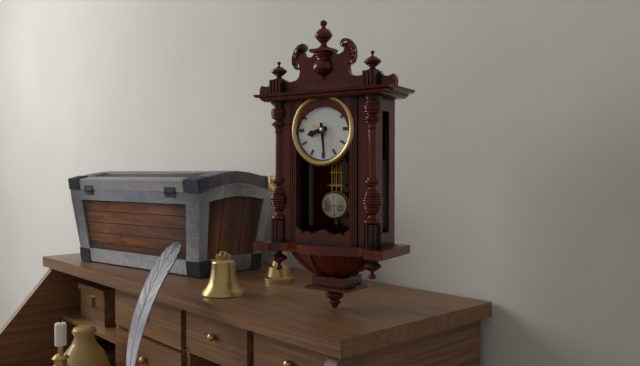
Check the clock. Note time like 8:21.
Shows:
8:29
